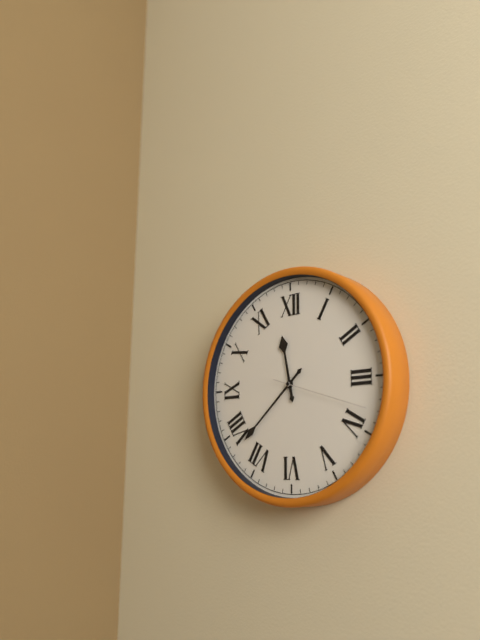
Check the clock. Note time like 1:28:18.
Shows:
11:38:18
